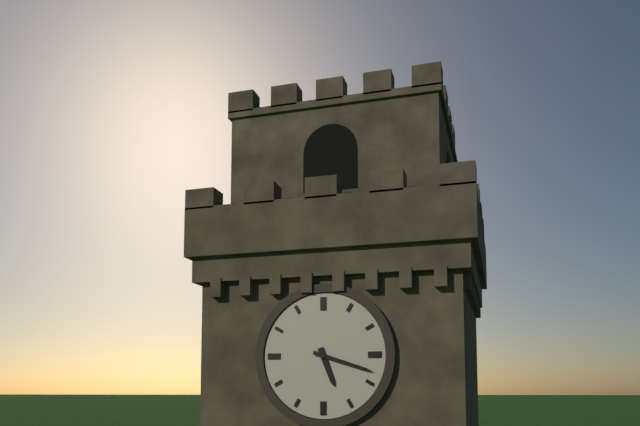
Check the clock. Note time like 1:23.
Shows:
5:18
